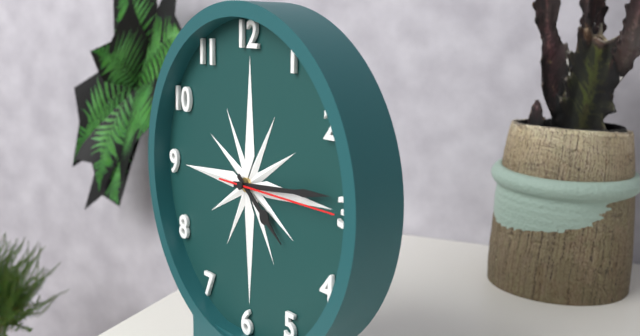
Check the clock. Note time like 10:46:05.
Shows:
4:14:15
